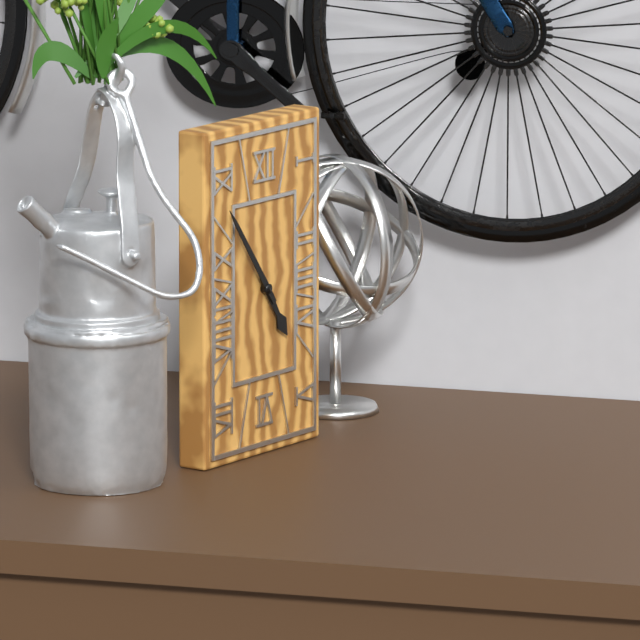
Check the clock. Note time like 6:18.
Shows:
4:54
